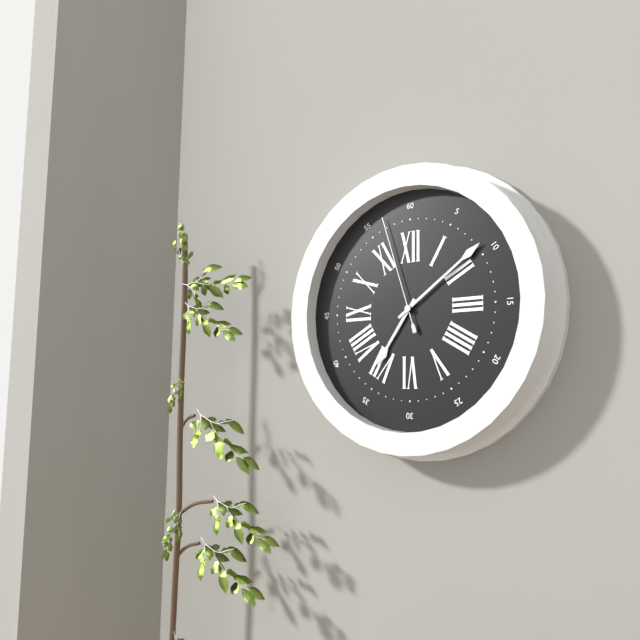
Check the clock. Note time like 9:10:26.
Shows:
7:09:57
